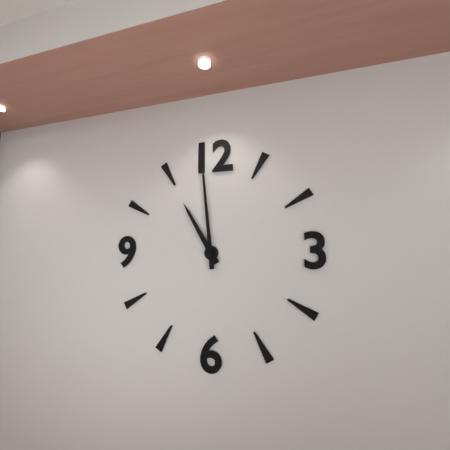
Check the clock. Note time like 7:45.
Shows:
10:59
